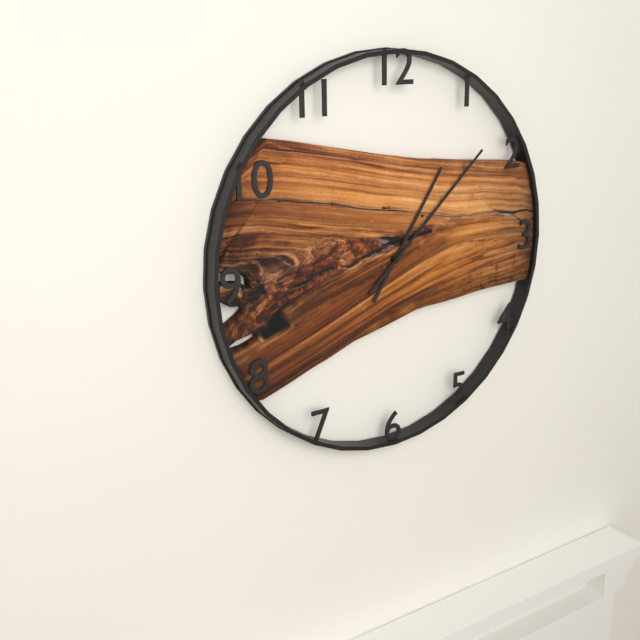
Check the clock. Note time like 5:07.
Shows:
1:08
